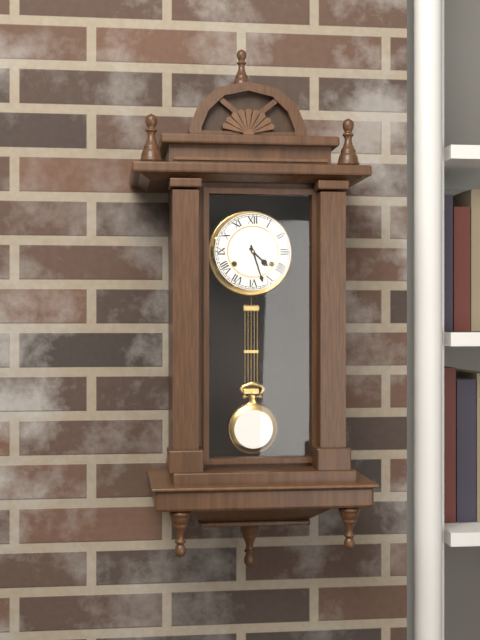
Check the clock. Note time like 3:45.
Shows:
4:27
